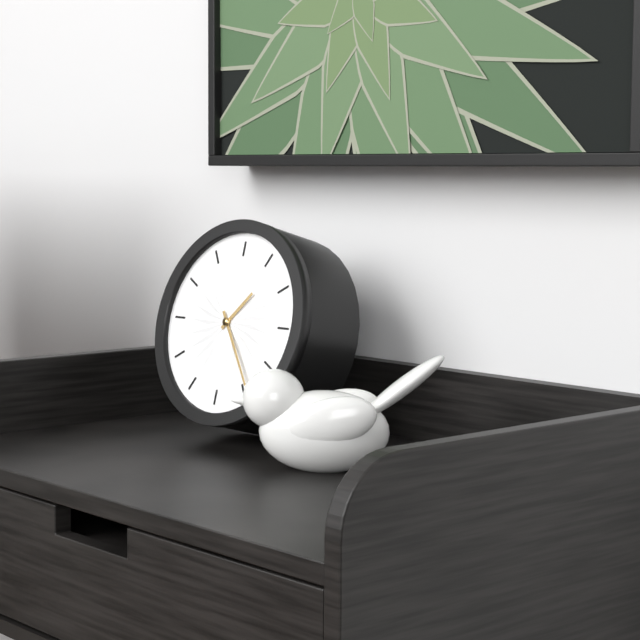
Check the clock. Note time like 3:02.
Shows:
1:24
